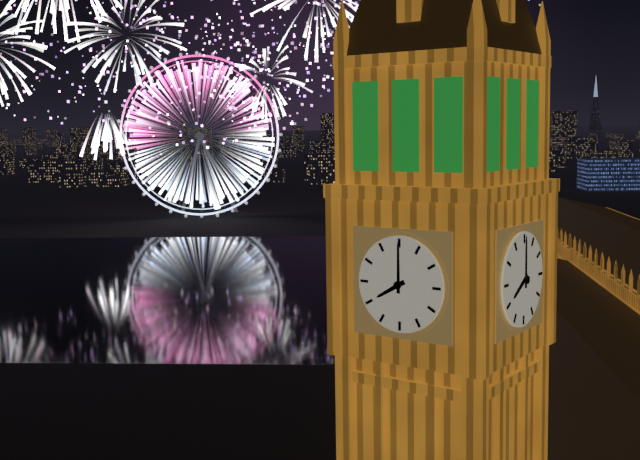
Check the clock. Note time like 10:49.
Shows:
8:00
